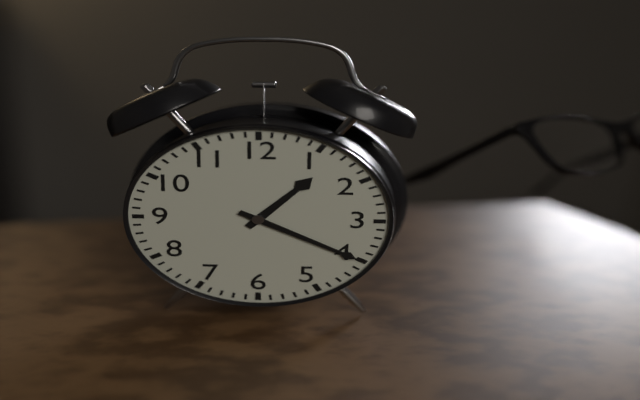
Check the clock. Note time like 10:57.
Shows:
1:20
